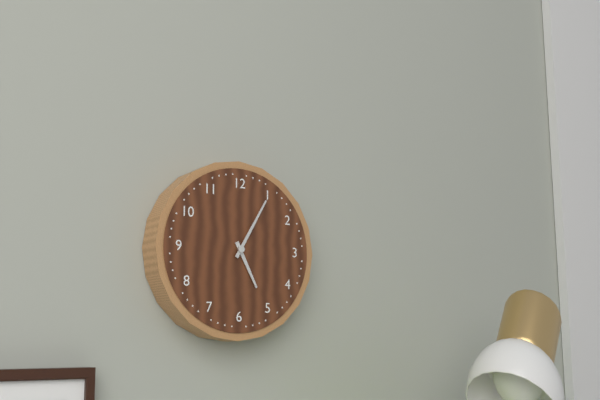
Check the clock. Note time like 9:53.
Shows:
5:05
